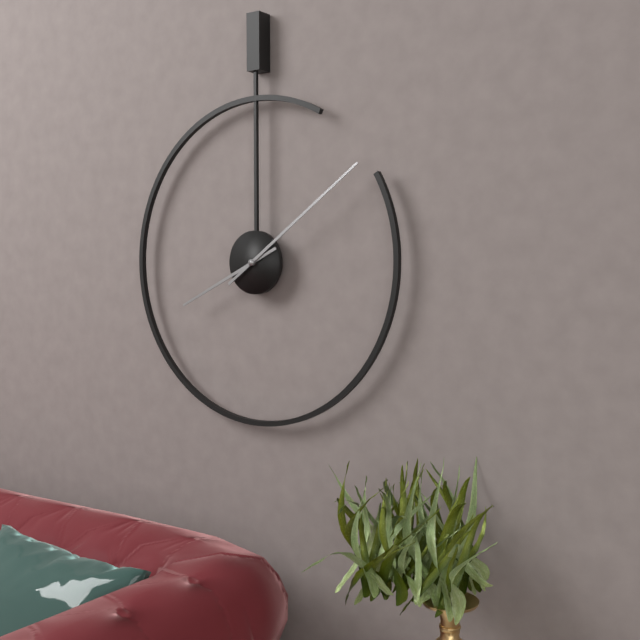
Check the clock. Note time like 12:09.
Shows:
8:09
